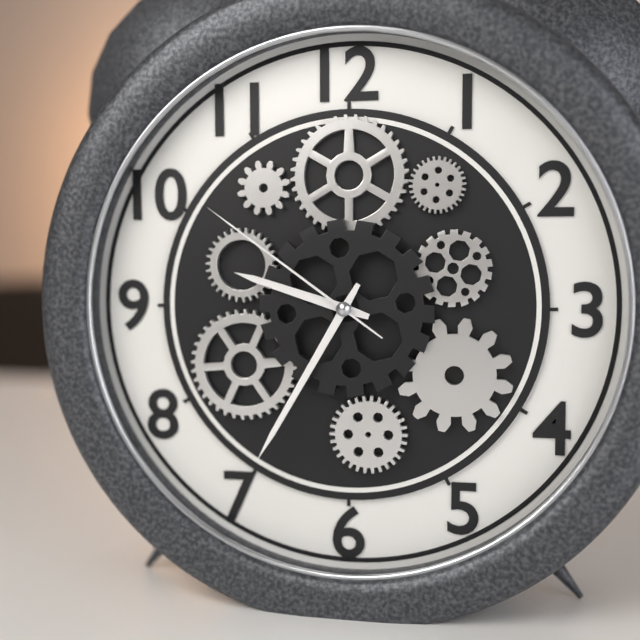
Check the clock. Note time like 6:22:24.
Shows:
9:35:51
